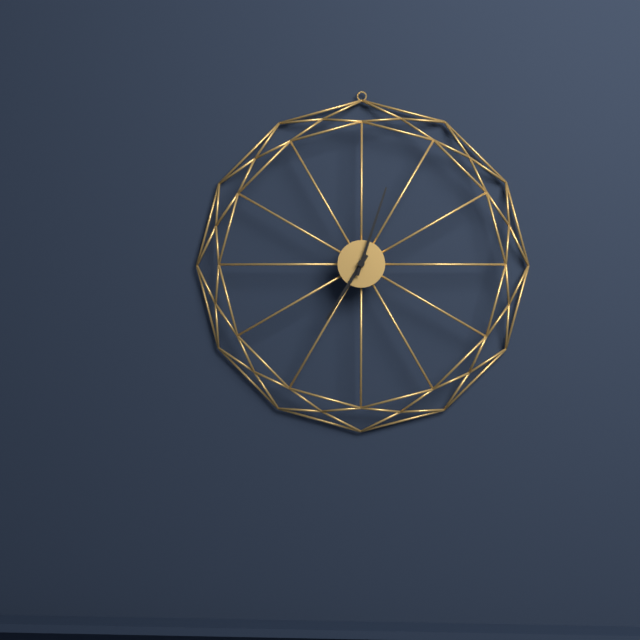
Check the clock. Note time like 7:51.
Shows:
7:03
